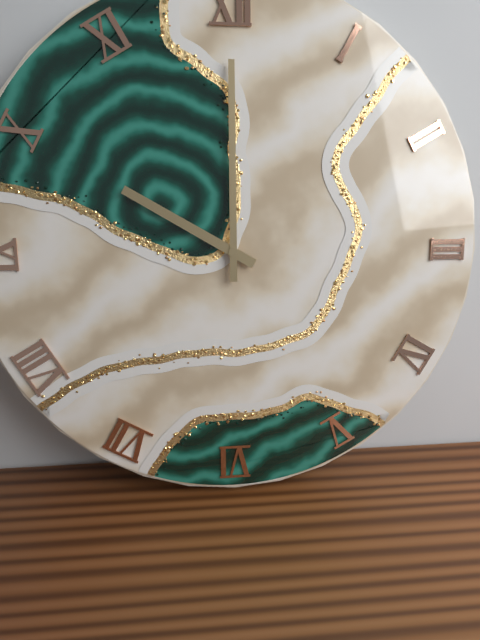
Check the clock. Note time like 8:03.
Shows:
10:00
